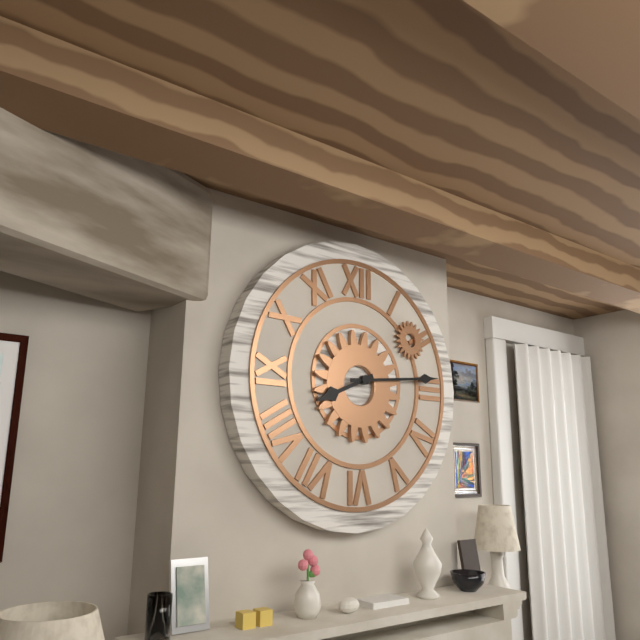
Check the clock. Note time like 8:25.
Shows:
8:14
